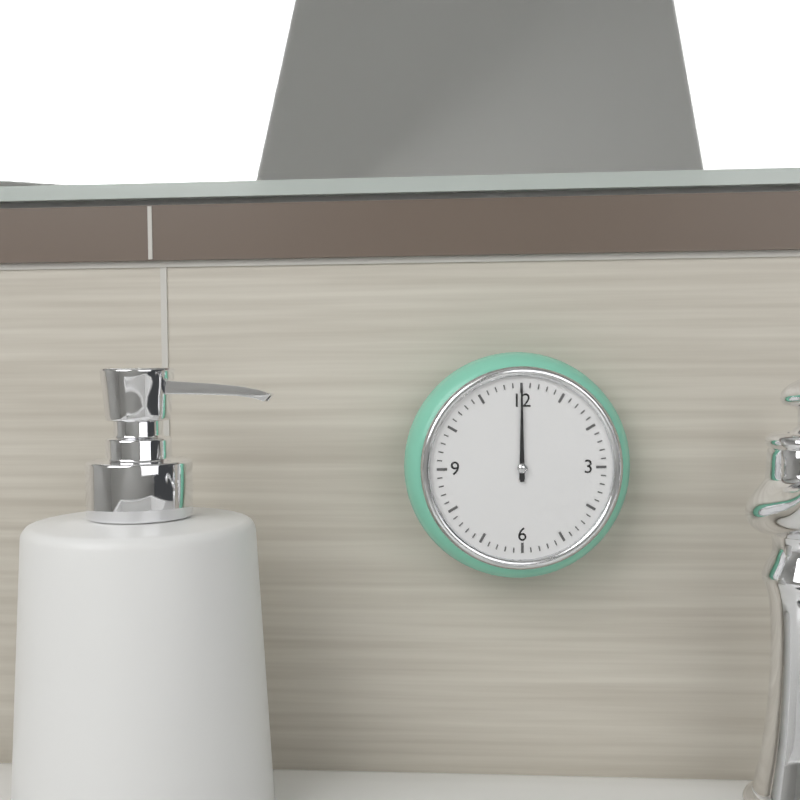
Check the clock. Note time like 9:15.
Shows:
12:00
